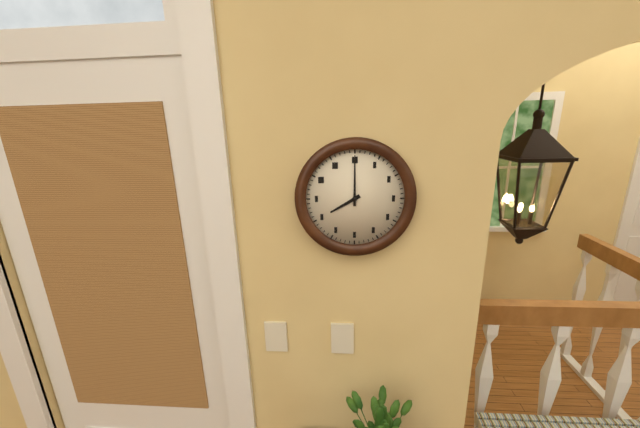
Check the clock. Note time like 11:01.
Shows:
8:00
